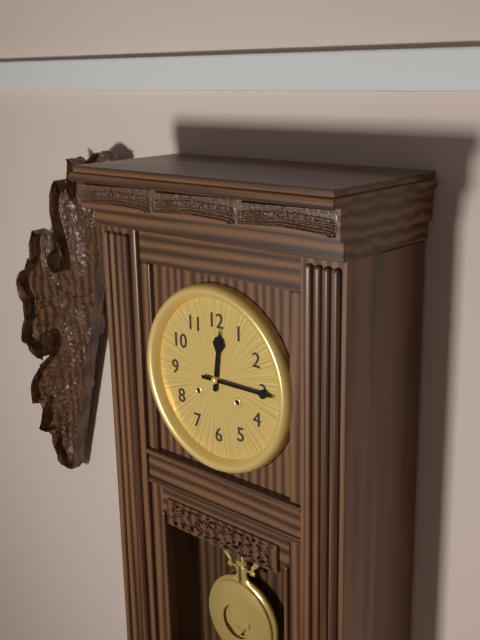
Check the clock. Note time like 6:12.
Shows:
12:15
